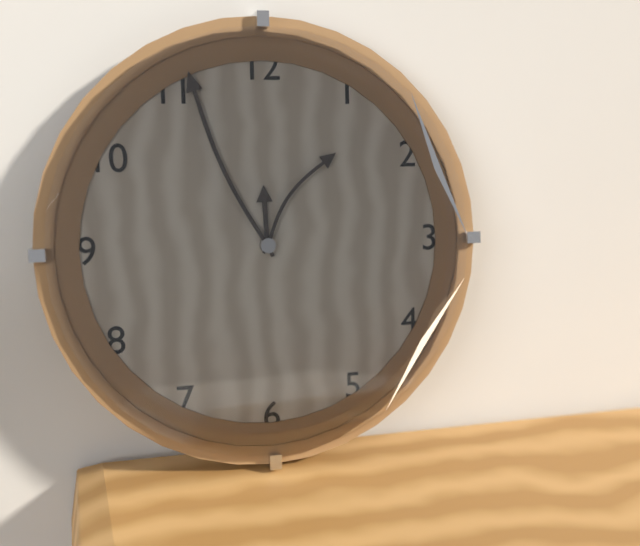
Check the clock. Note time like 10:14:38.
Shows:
11:56:06
